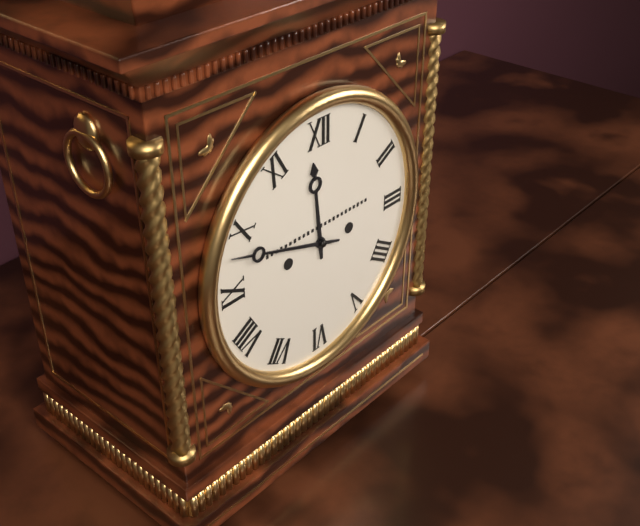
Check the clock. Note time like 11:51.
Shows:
11:48
